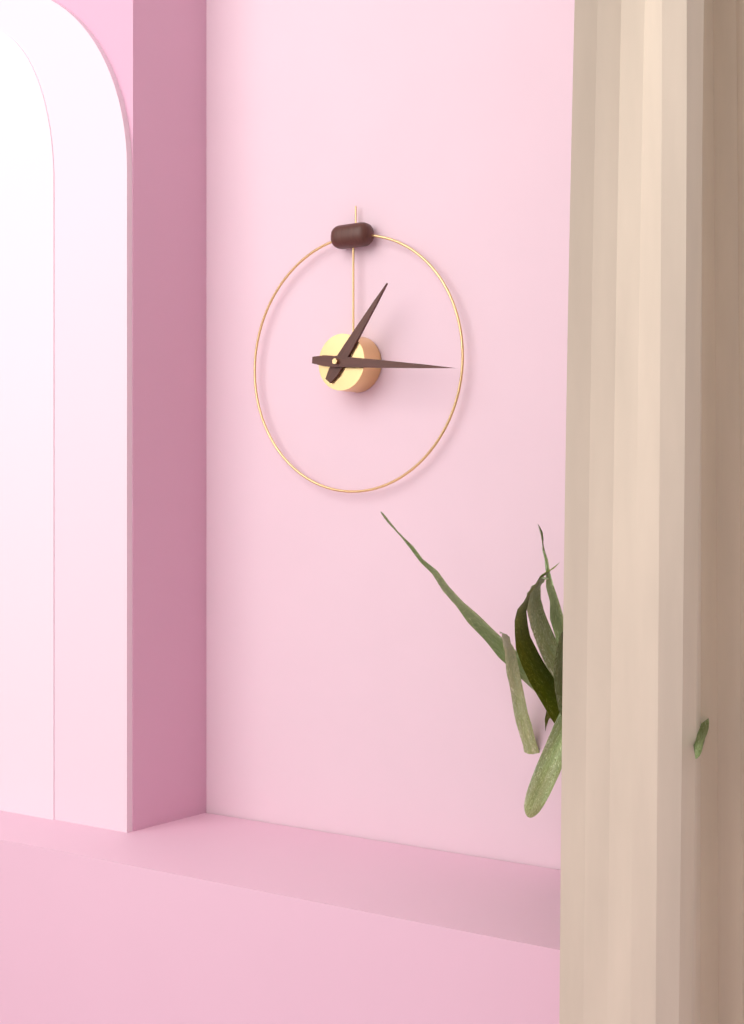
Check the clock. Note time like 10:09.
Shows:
1:16
